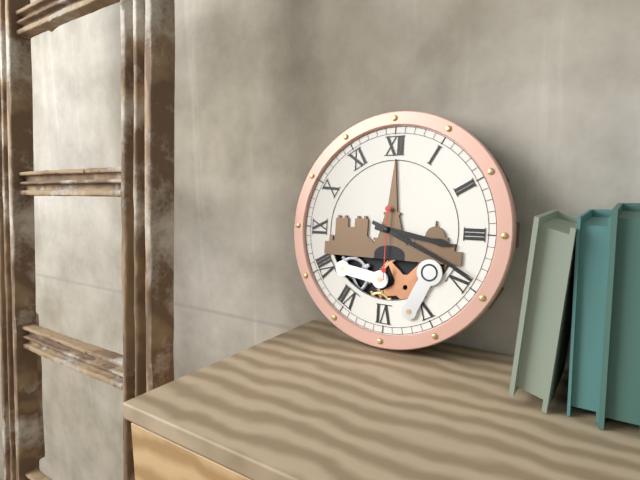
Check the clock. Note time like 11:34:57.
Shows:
3:19:30
